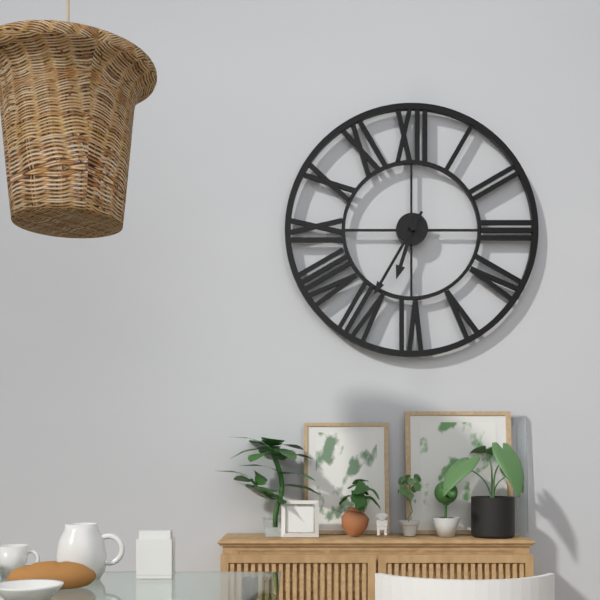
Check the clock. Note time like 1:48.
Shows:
6:35
